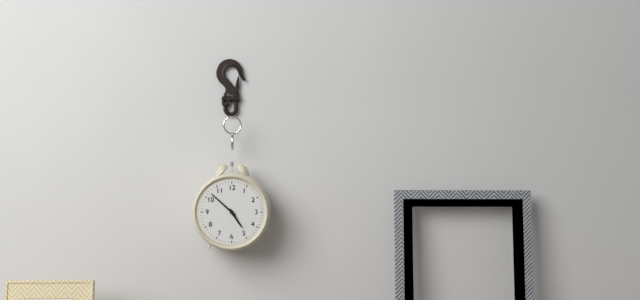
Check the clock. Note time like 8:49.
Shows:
4:52
